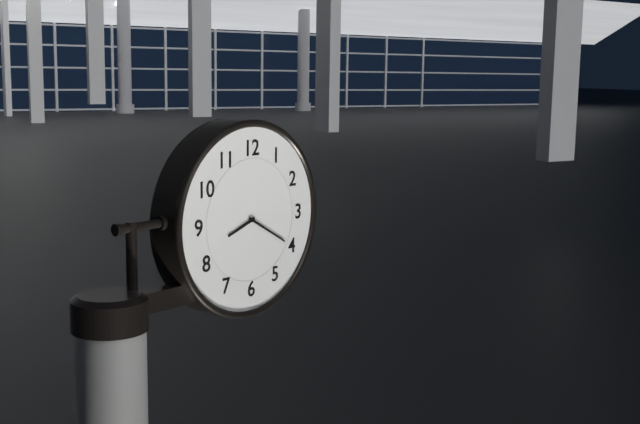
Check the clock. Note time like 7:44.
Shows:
8:20
